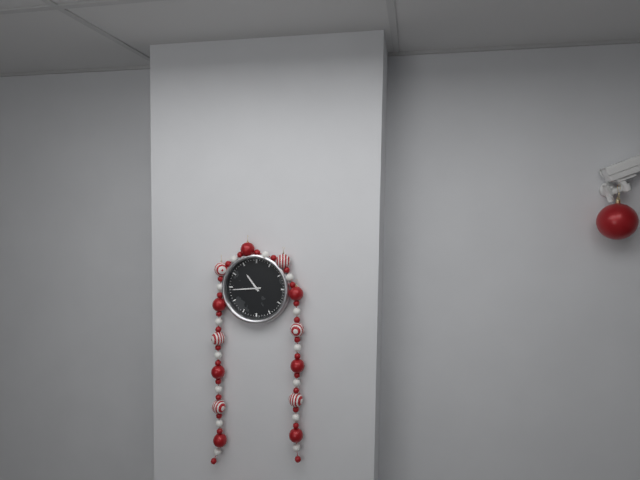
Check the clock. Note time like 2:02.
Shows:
10:44
